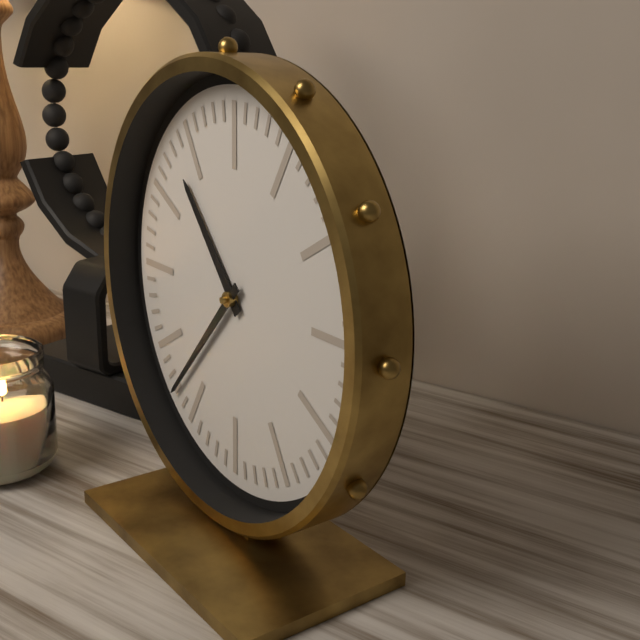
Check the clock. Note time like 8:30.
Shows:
10:37
